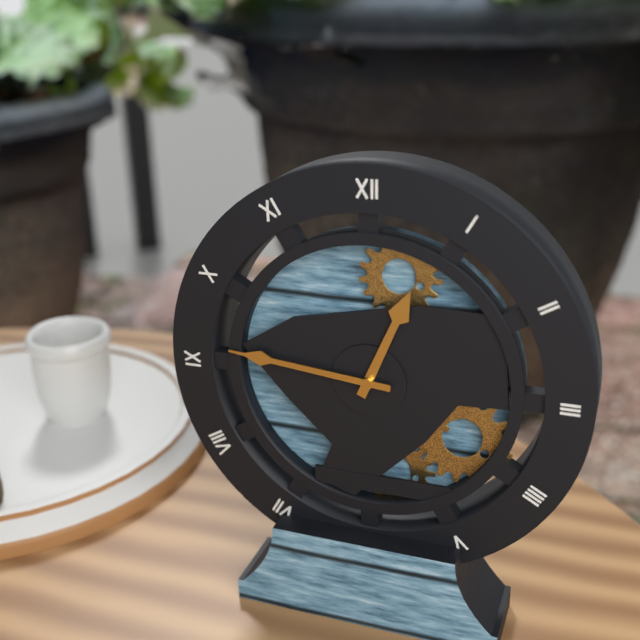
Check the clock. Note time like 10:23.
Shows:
12:46
